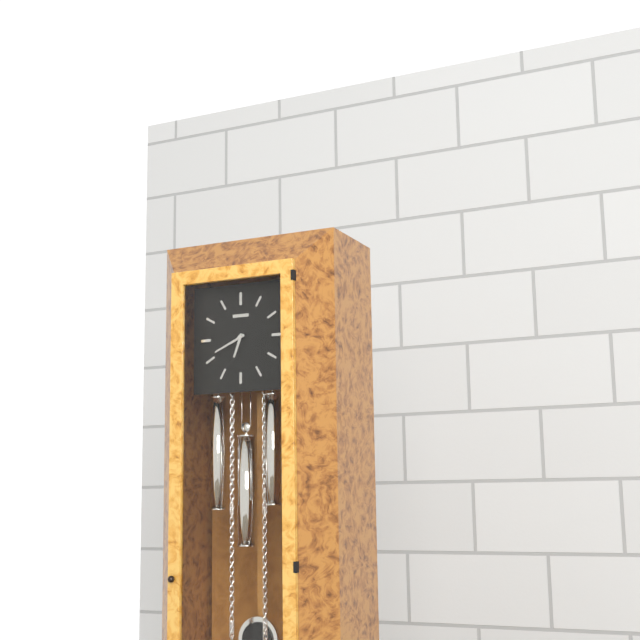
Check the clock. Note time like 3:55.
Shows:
6:41
